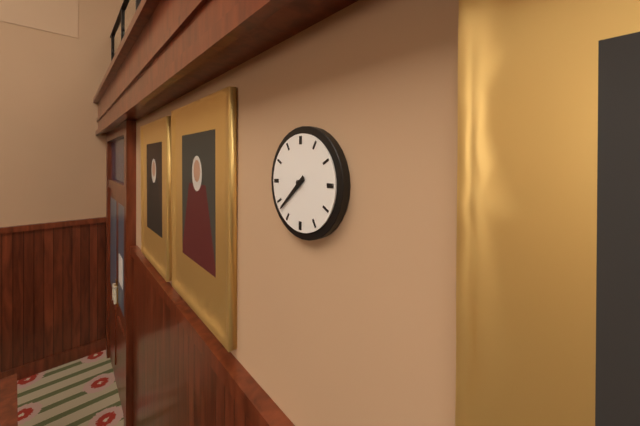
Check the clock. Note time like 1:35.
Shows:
7:38
